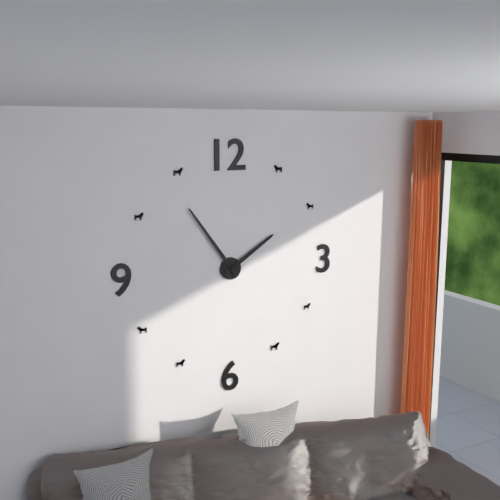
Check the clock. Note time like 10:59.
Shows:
1:54
